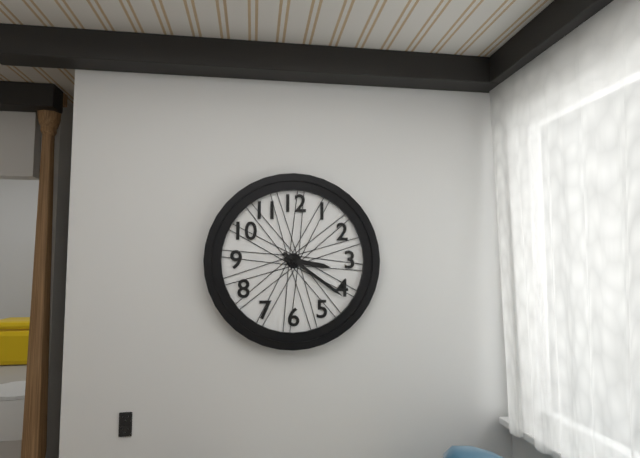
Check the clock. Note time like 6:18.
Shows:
3:21
